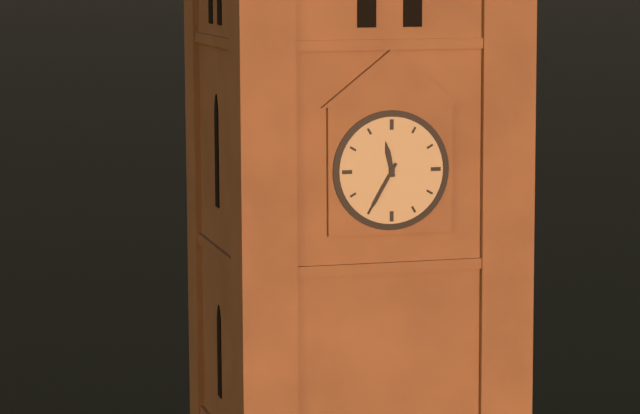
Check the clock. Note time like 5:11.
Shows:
11:35
